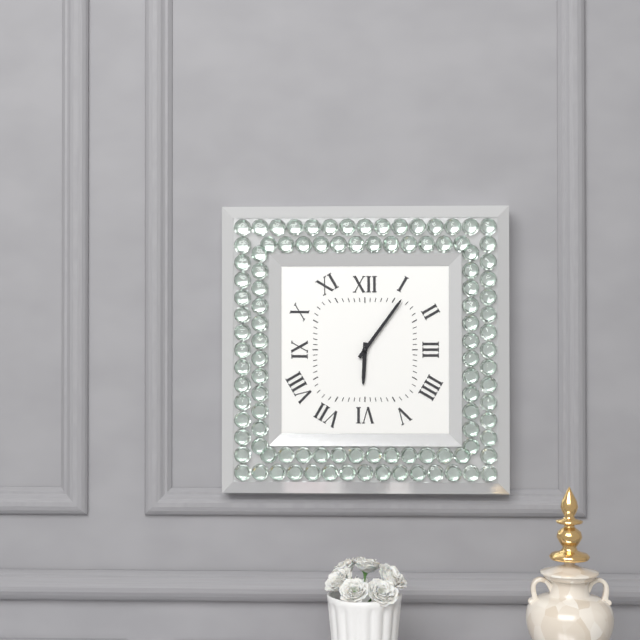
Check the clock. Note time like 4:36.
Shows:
6:06
